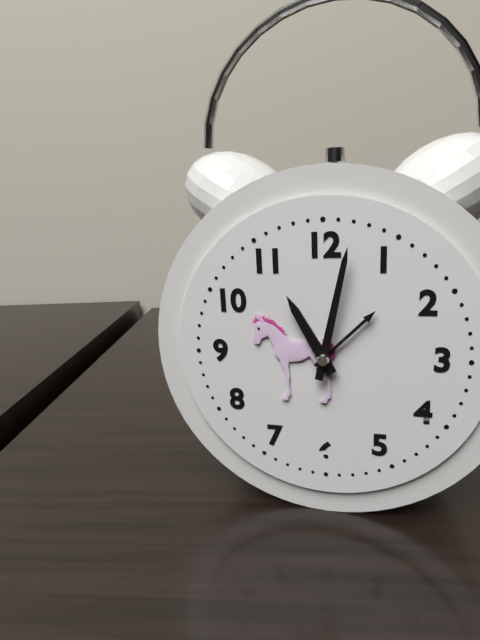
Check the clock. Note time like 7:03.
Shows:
11:02
